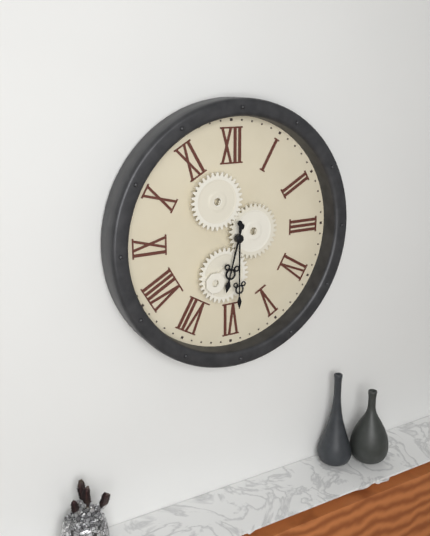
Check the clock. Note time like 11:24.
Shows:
6:30
